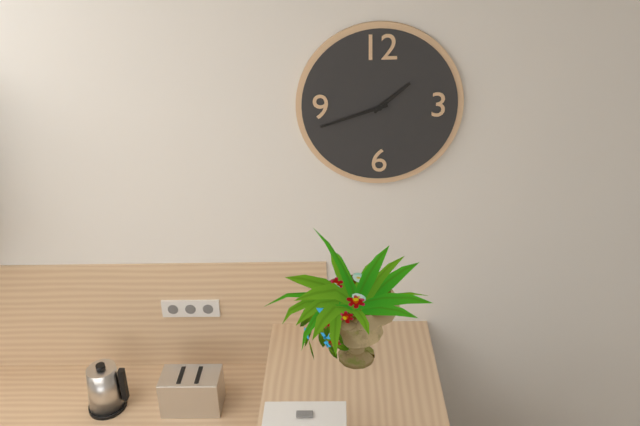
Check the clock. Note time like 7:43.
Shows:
1:42
